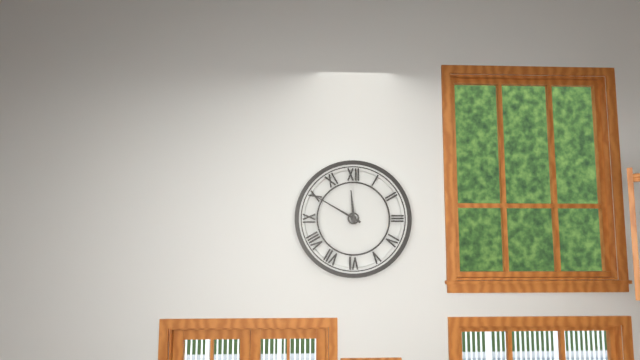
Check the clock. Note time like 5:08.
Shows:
11:50
